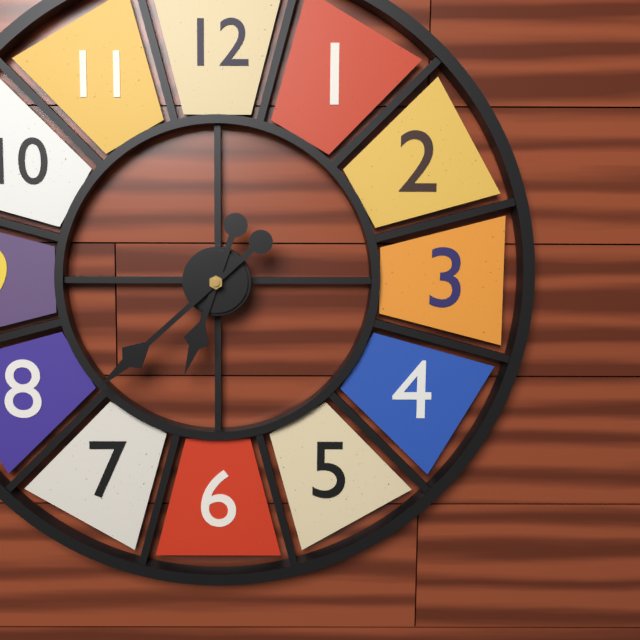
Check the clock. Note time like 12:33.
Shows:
6:38
